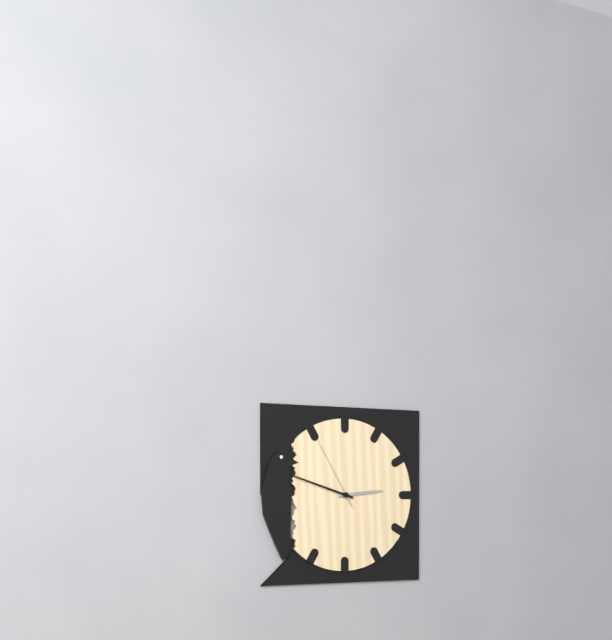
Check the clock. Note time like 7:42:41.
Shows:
2:48:55
